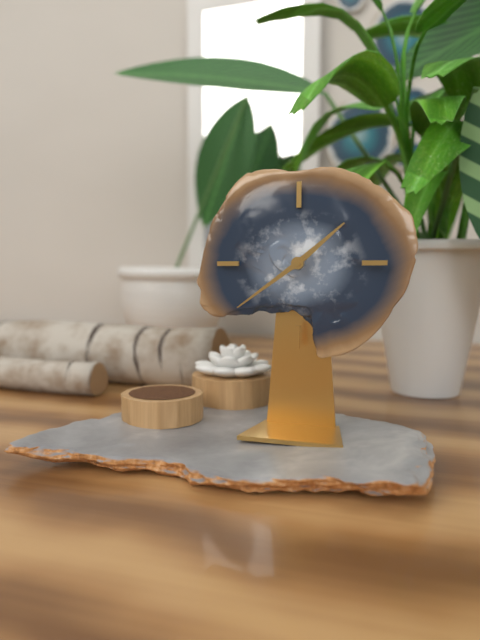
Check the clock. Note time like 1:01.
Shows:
1:39
